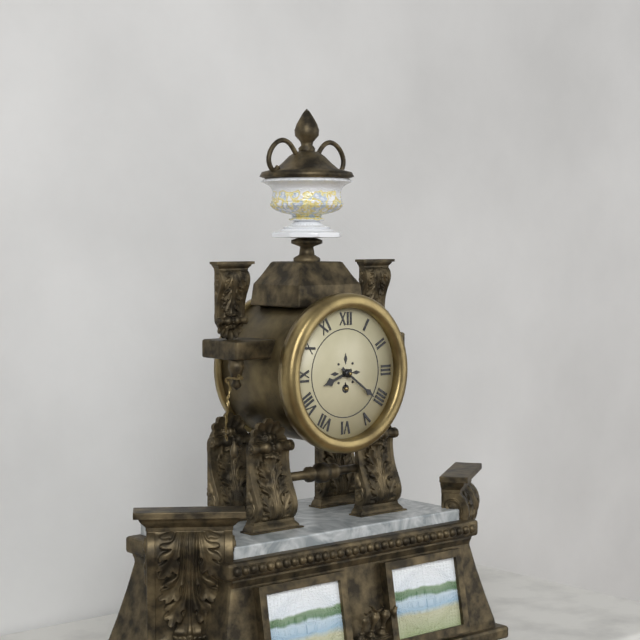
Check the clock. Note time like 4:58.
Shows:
8:21
